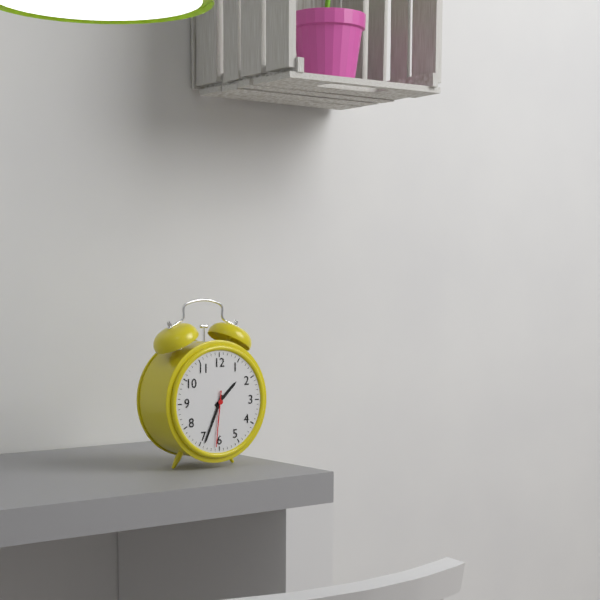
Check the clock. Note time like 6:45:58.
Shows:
1:34:31
